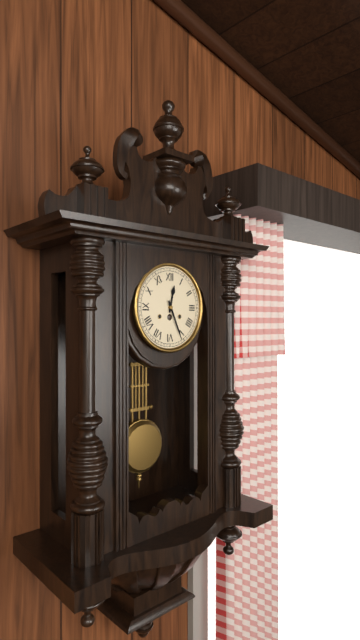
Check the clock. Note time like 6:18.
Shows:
12:26
